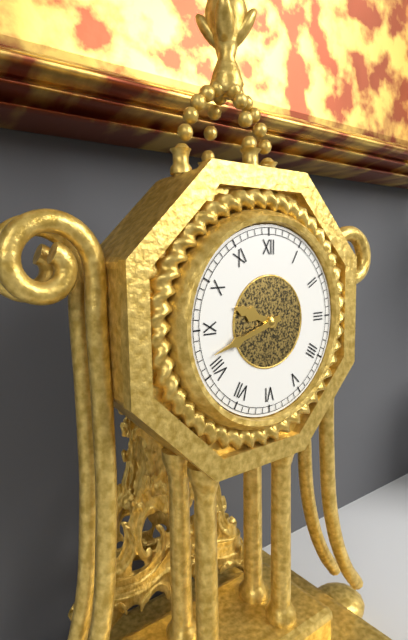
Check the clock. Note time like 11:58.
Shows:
9:42
